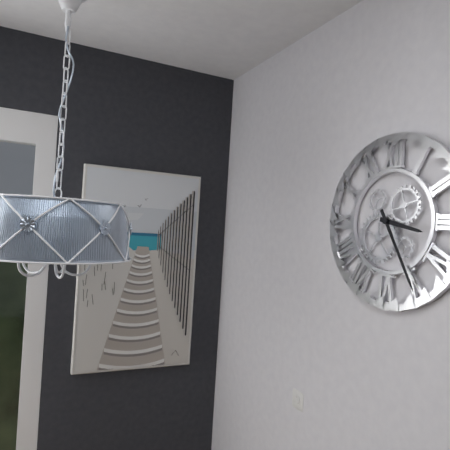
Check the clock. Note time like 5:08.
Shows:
3:25
